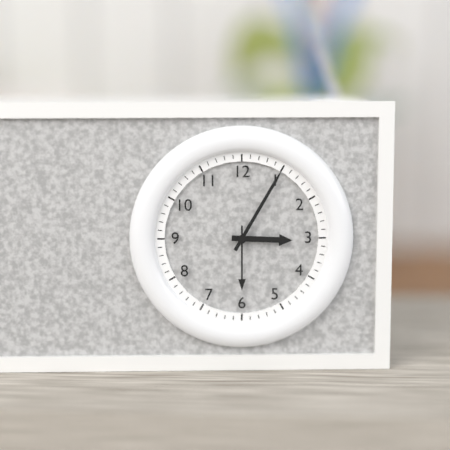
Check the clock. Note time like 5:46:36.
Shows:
3:05:30
